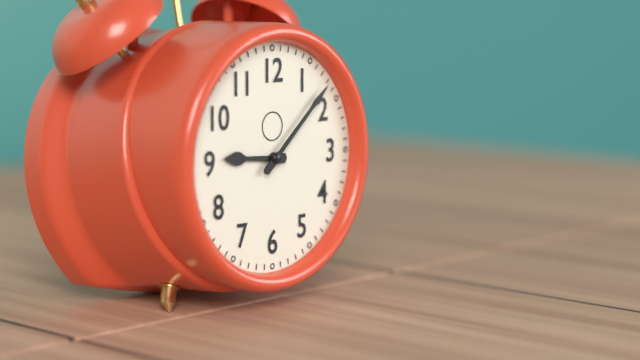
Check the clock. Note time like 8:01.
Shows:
9:08
